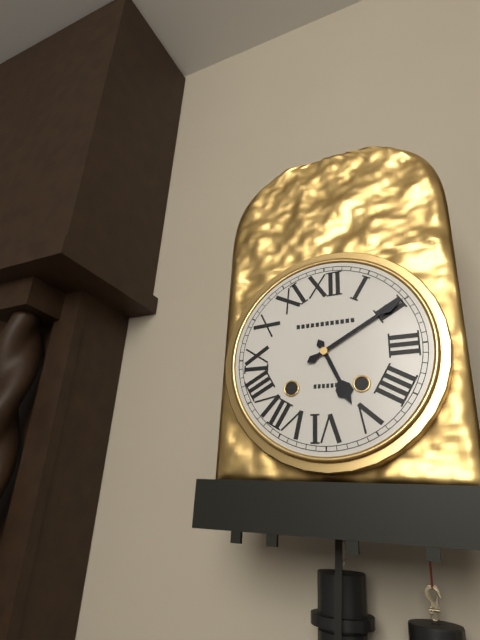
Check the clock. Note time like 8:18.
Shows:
5:10
